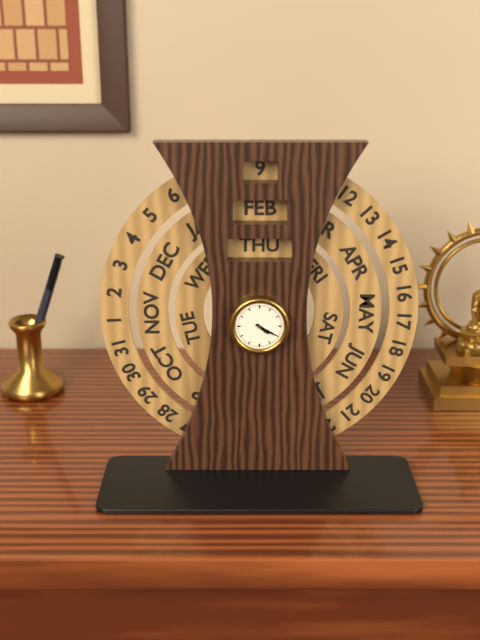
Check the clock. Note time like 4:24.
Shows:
4:20
